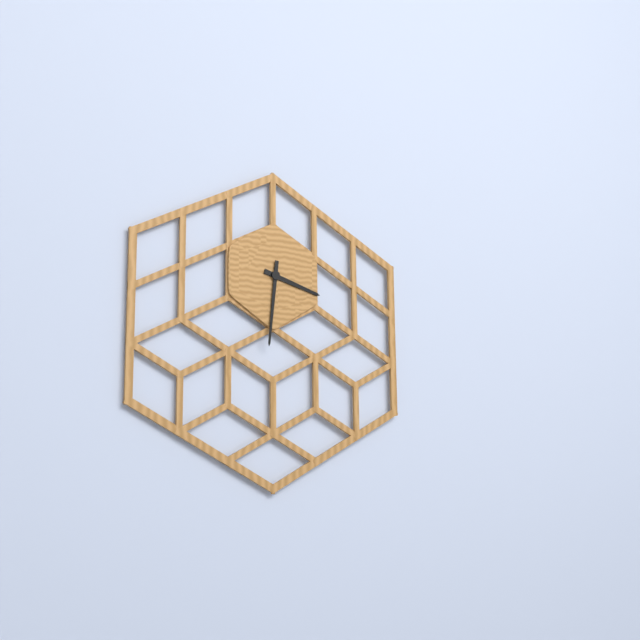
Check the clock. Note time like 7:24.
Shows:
3:31
